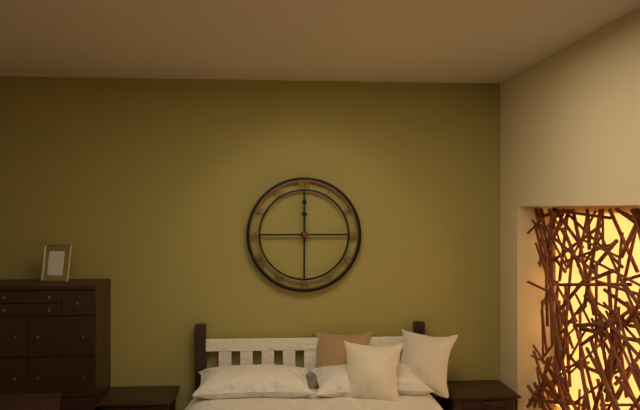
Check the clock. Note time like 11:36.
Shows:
12:00
